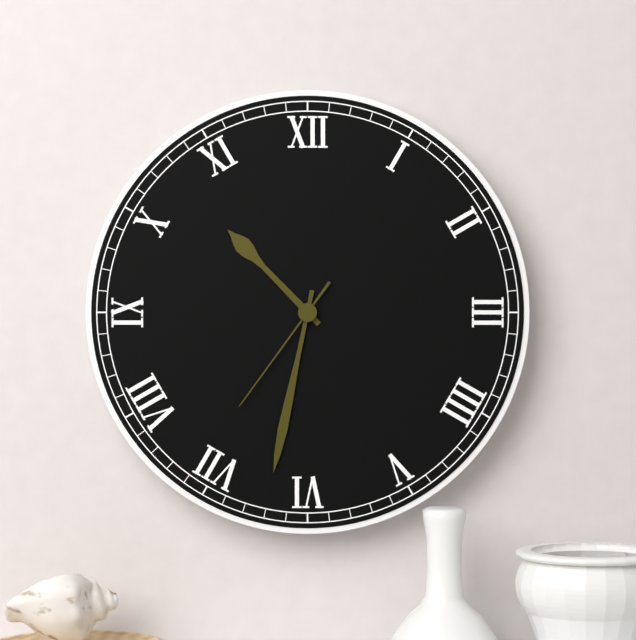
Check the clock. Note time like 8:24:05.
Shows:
10:32:36
